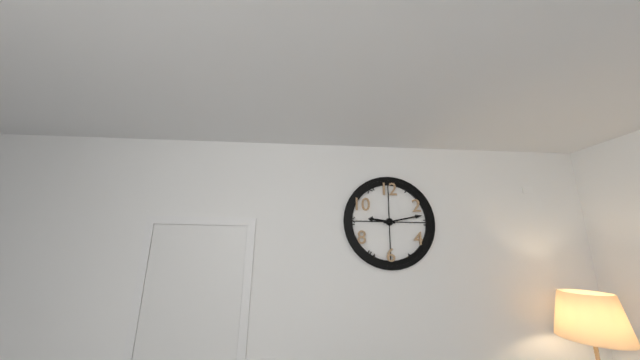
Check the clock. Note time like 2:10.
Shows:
9:13
